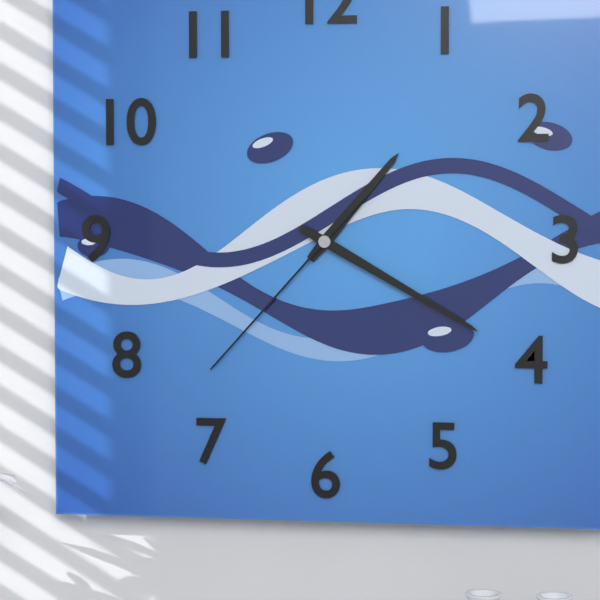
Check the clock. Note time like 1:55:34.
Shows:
1:20:37
